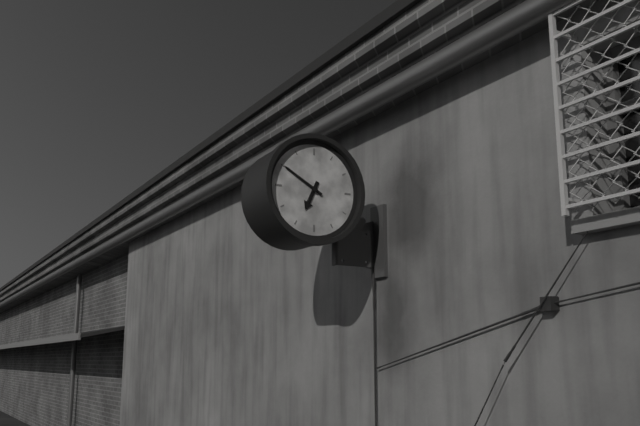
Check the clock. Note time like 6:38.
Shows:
6:50
